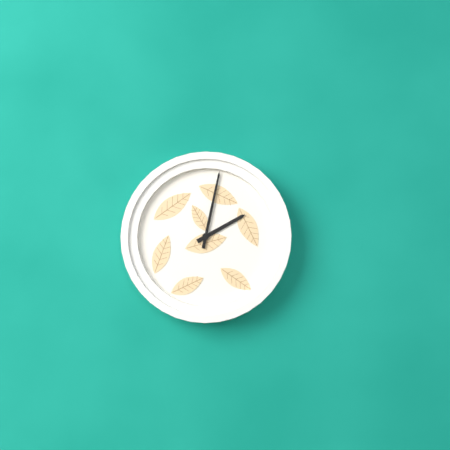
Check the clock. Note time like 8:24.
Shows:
2:02
